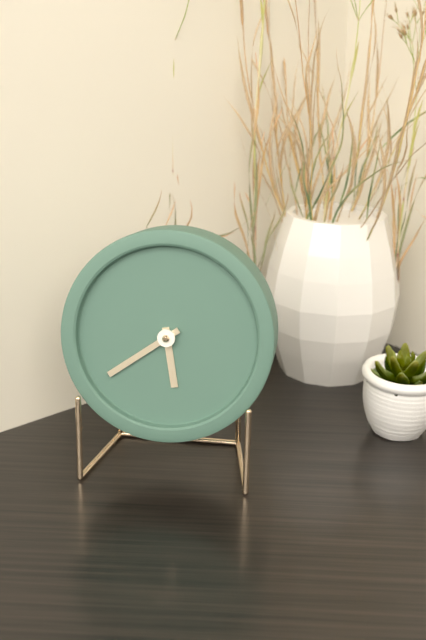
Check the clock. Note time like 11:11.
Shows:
5:39
